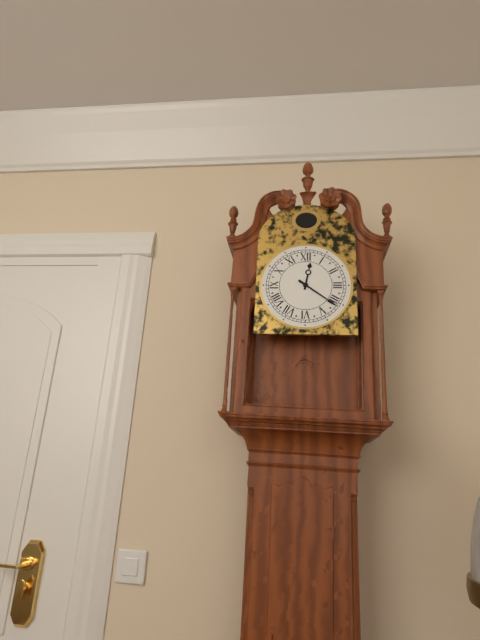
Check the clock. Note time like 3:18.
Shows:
12:21
